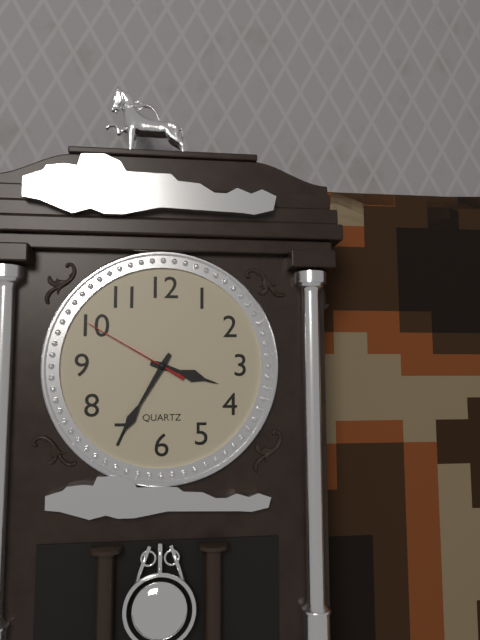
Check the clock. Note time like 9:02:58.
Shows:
3:35:50
